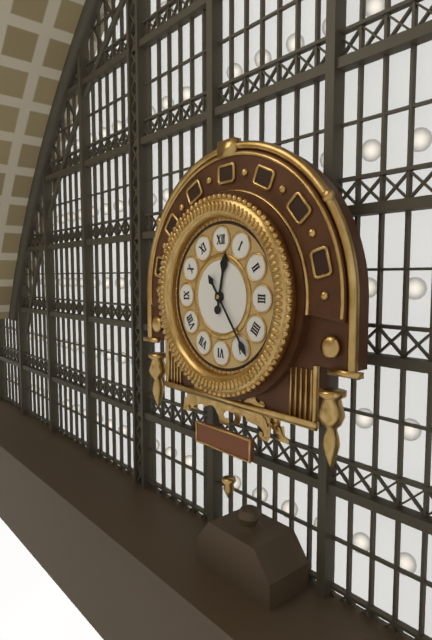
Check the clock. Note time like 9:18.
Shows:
12:24
